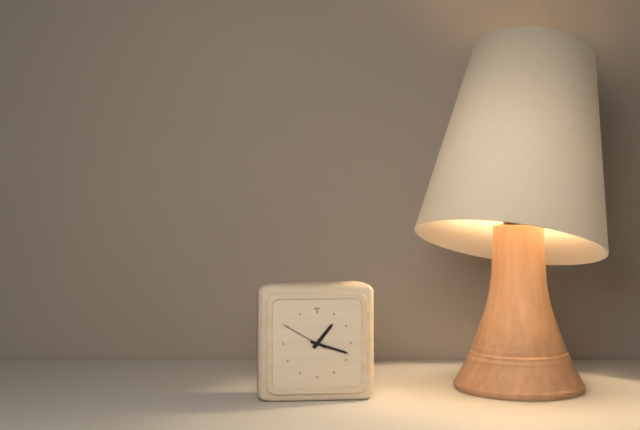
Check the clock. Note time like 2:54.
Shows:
1:18
